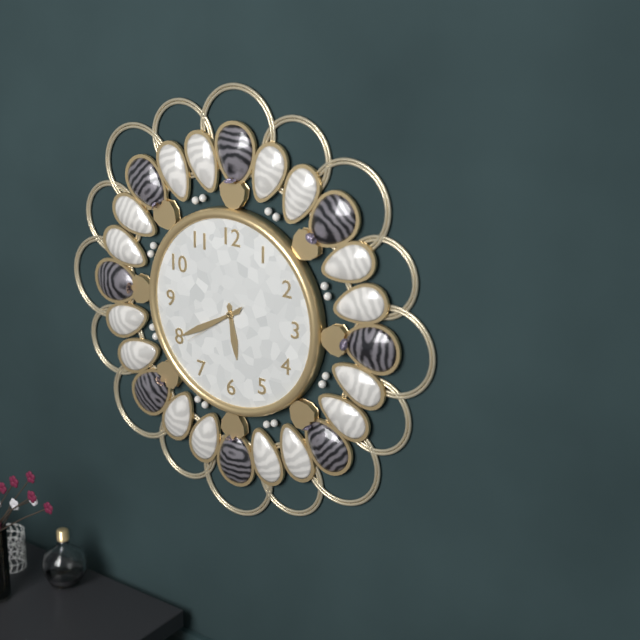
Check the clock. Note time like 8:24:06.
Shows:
5:40:39
